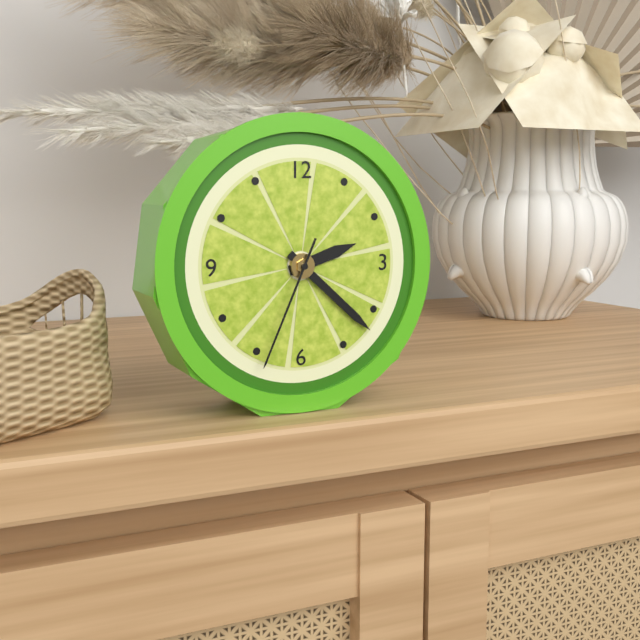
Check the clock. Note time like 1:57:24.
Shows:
2:22:34
